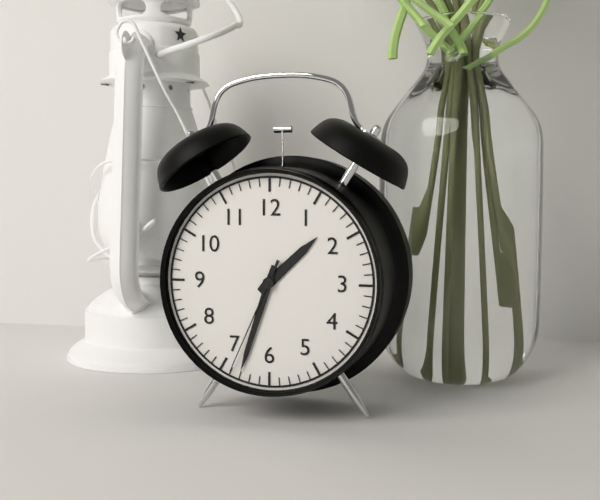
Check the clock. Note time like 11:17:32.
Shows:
1:33:34
